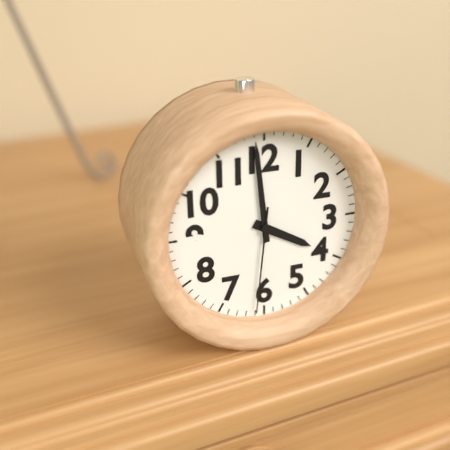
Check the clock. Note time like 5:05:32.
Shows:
3:59:31
